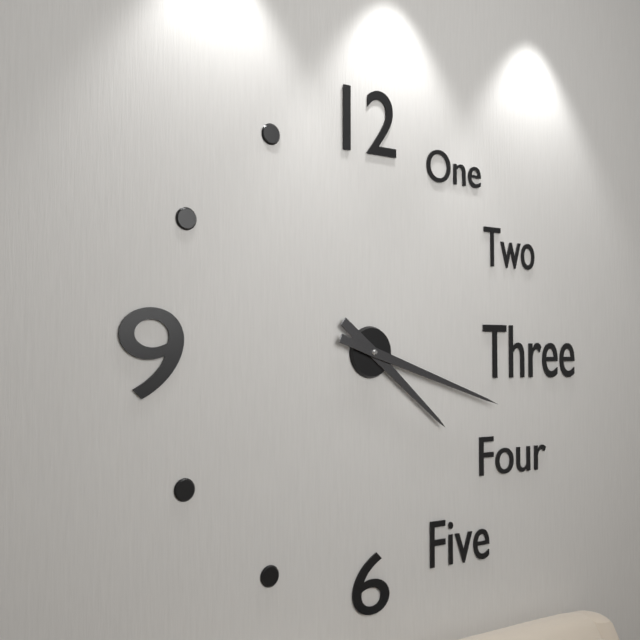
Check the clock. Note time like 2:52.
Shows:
4:18
